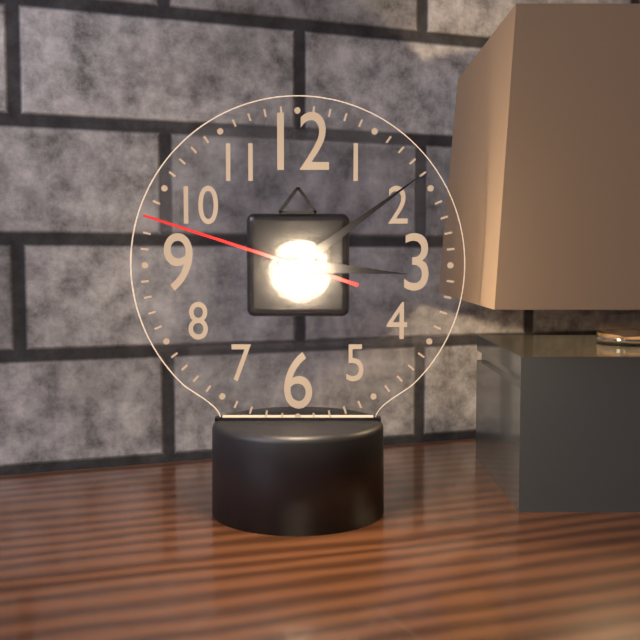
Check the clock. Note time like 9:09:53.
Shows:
3:09:48
